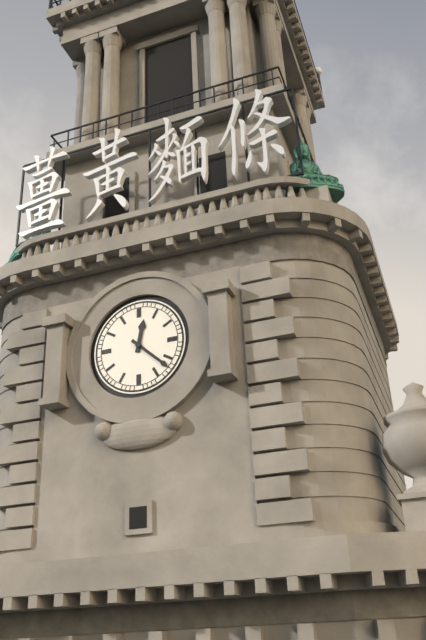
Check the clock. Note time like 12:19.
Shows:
12:22
